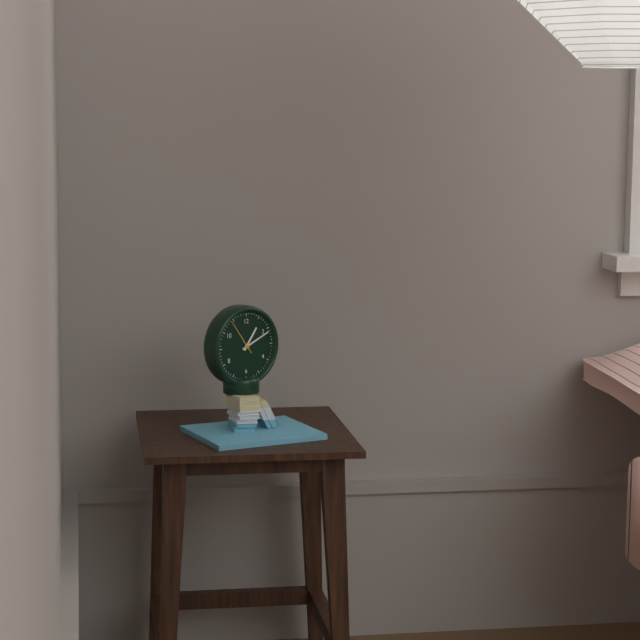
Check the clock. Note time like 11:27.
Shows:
1:11
